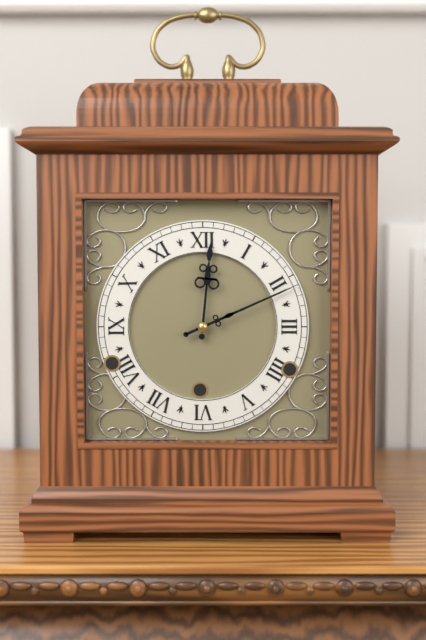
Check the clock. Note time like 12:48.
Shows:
12:11
